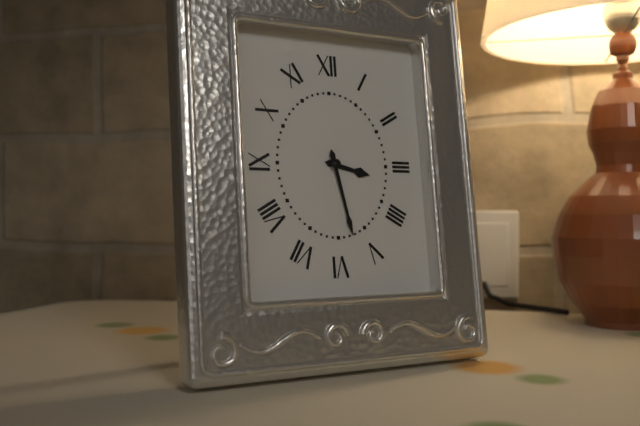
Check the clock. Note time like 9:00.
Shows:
3:28
